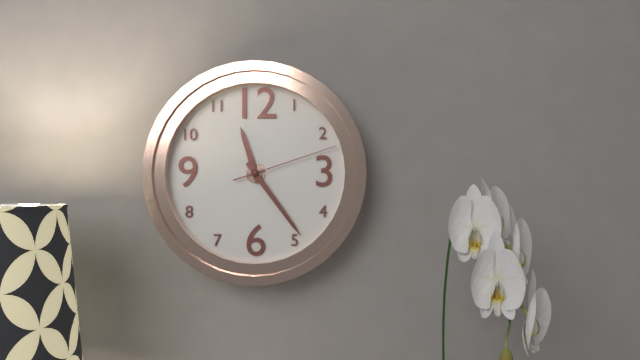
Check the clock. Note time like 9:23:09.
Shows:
11:24:12
